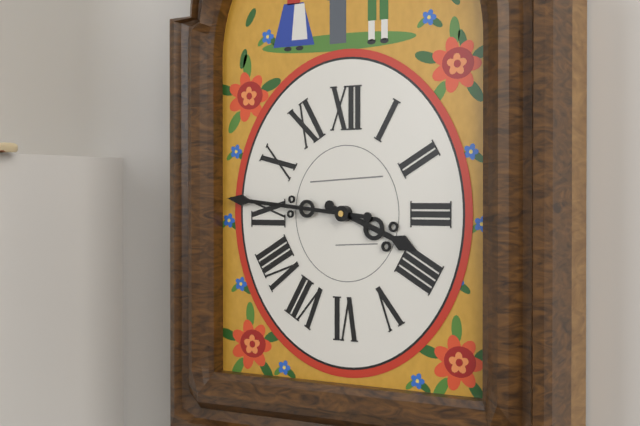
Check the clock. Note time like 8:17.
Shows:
3:46
